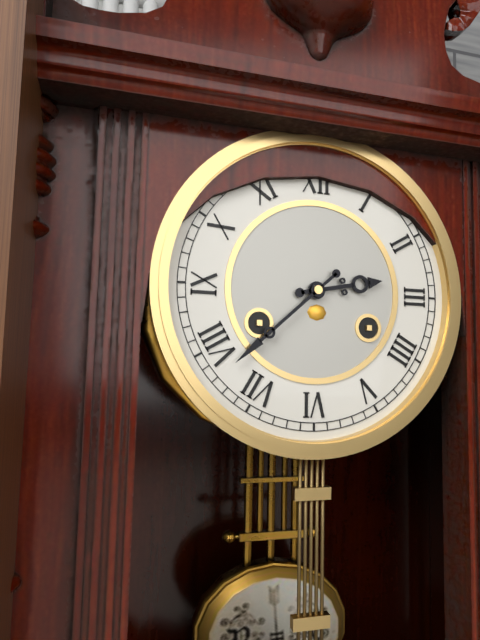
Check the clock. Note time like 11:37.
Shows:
2:38
